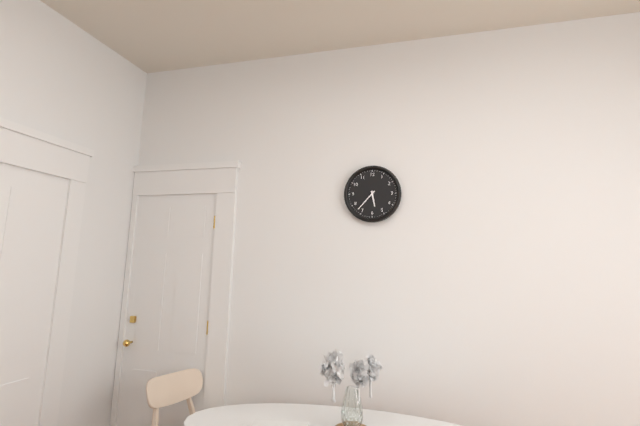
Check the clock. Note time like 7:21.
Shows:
5:37
